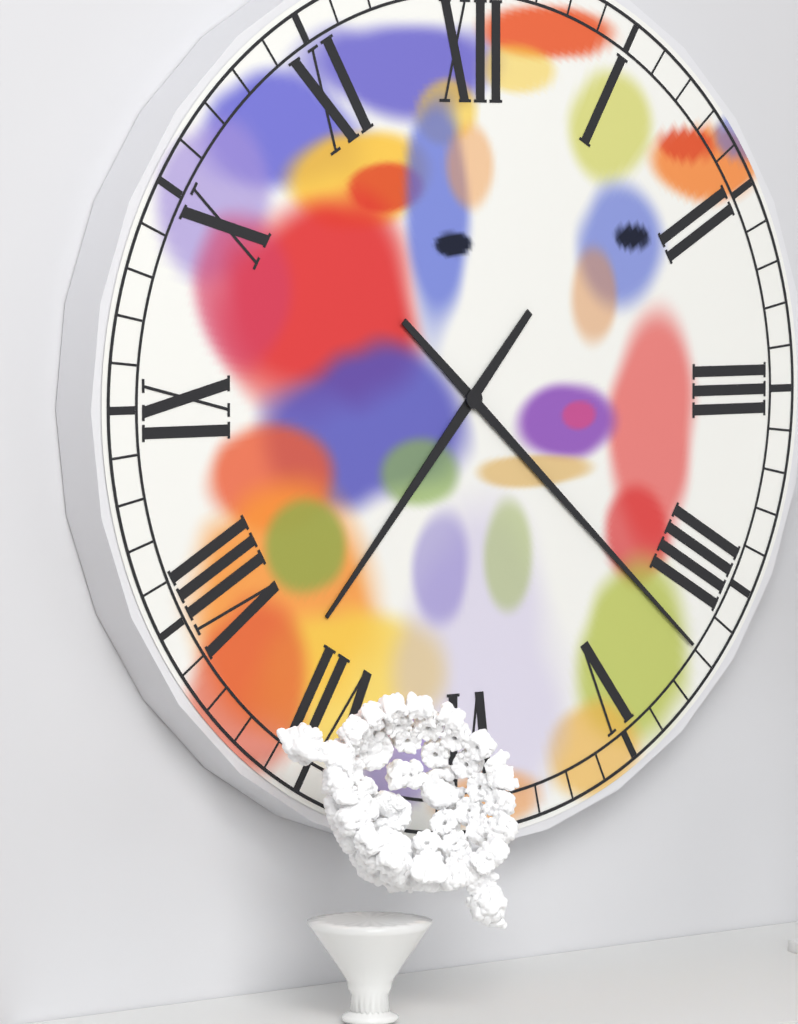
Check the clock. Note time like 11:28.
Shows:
7:22
